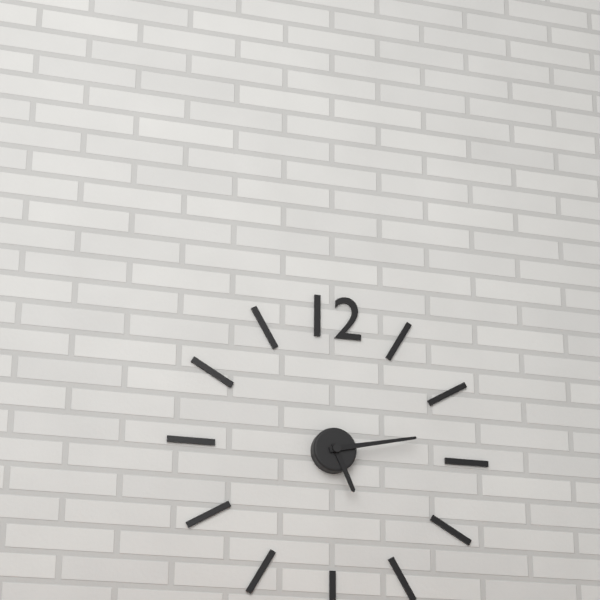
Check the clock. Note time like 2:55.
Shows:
5:13
